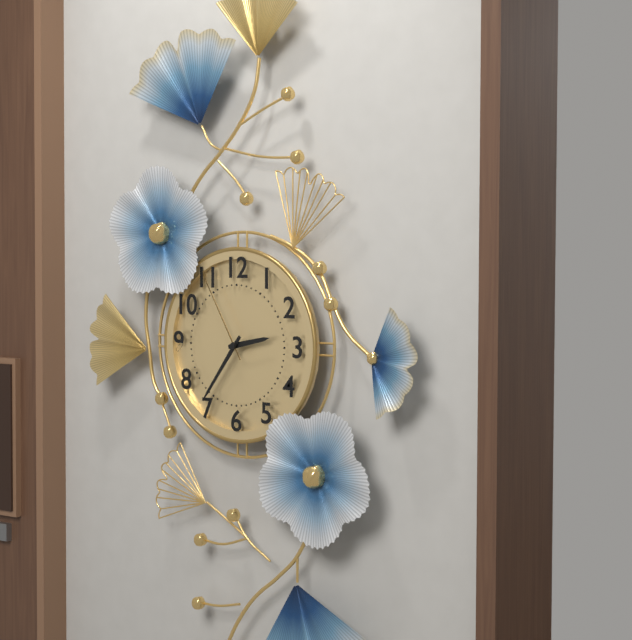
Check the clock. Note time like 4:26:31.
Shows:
2:36:55
